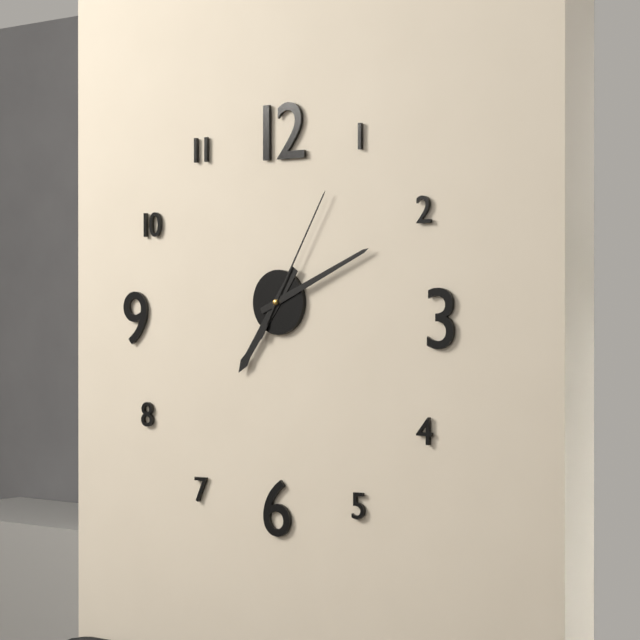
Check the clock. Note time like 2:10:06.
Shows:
7:11:05
